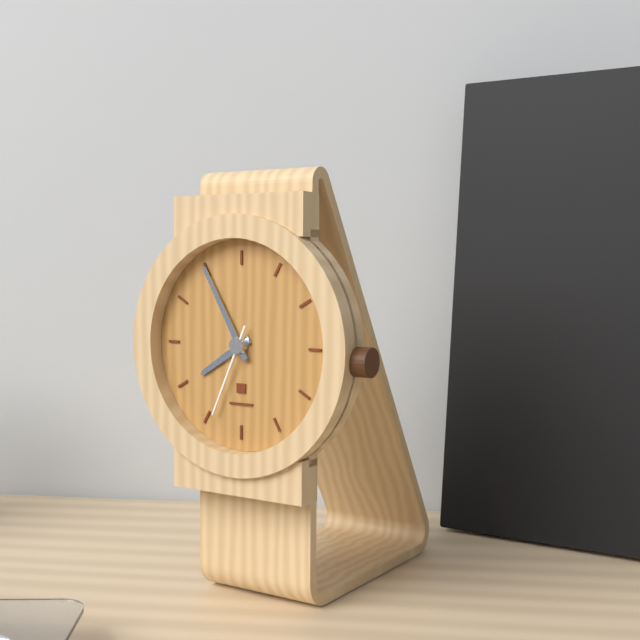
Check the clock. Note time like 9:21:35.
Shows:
7:55:34
